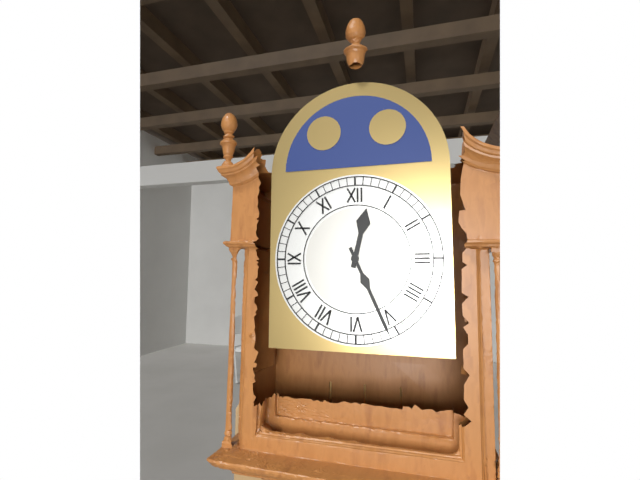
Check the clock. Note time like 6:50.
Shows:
12:26
